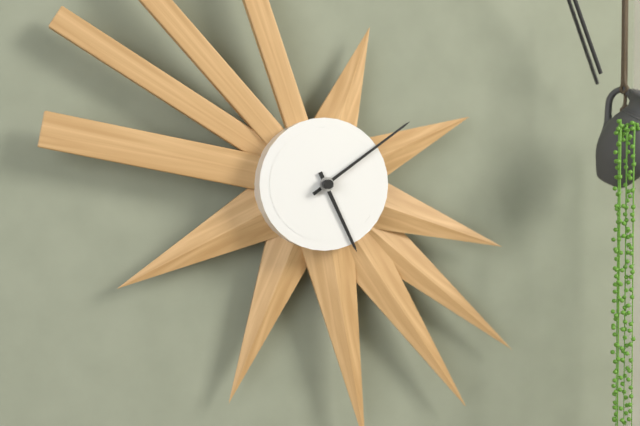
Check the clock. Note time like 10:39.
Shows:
5:09
